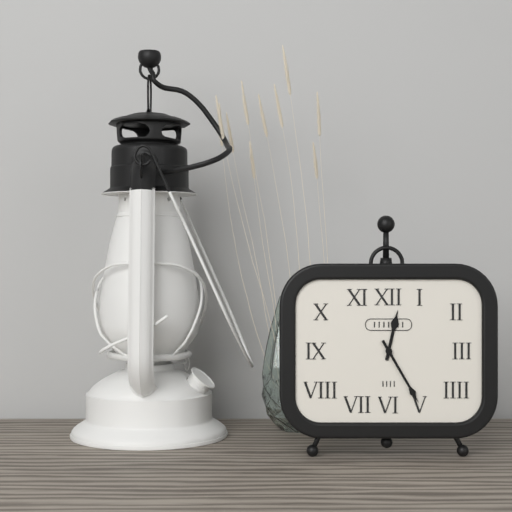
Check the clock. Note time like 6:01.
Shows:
12:25
